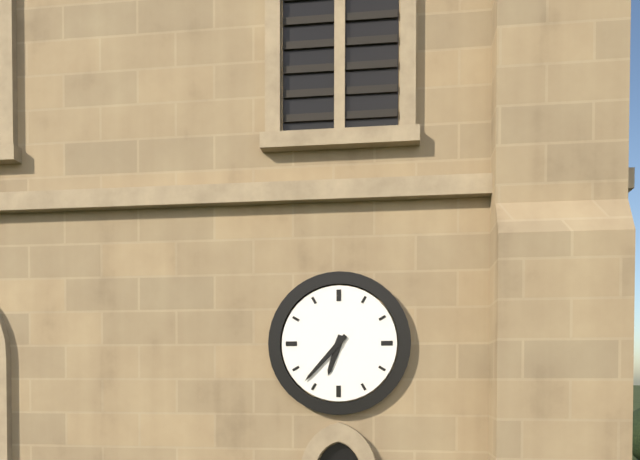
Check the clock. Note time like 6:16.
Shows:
6:37
